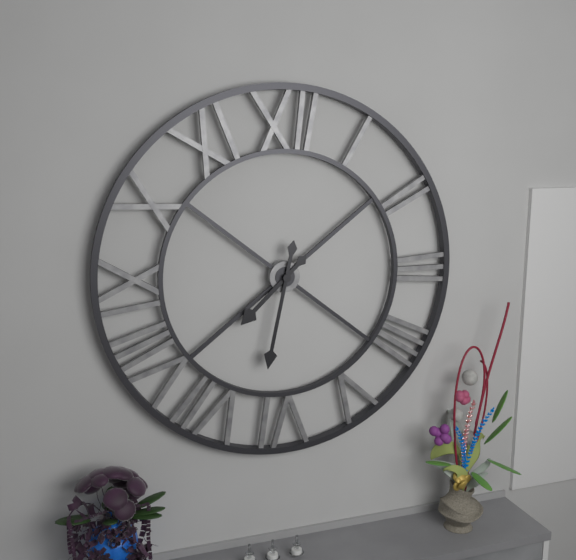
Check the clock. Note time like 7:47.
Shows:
7:32
